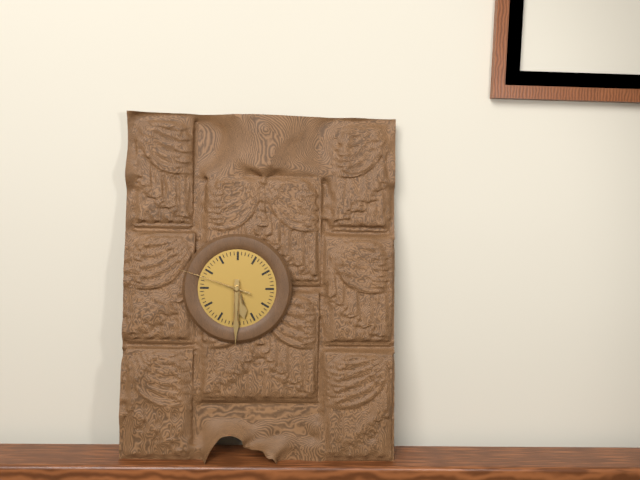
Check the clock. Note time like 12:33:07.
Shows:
5:30:48
